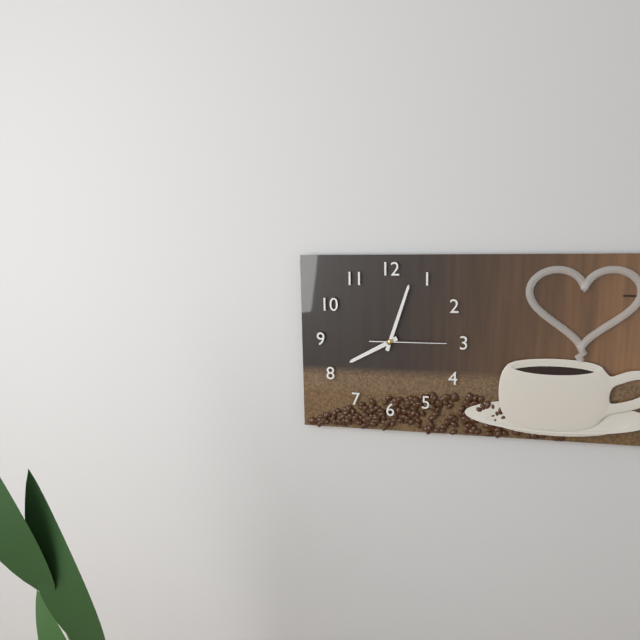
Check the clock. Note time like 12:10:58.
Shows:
8:03:15
